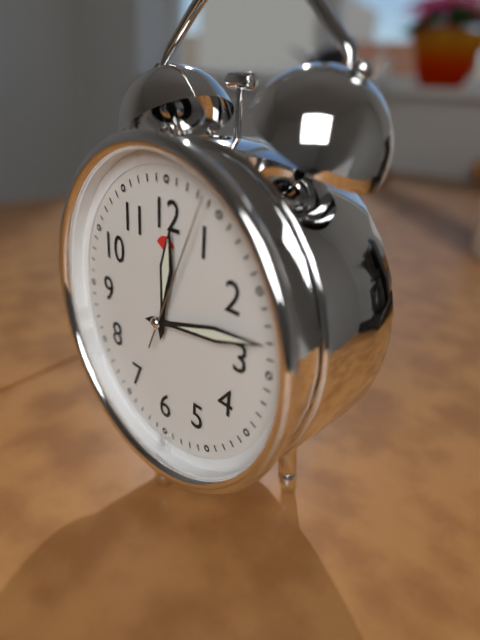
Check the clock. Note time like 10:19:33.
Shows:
12:13:04
